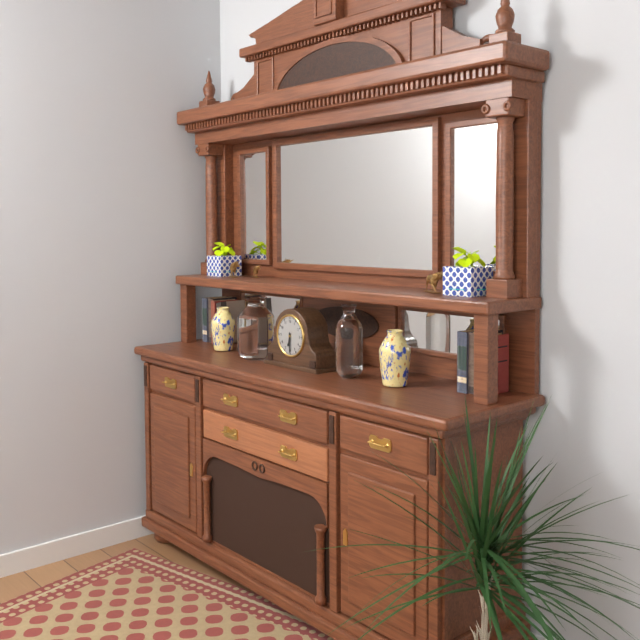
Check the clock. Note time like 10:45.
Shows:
6:30
